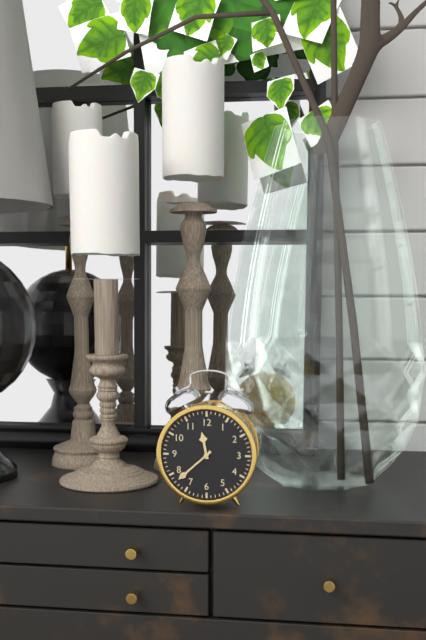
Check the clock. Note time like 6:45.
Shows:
11:38
